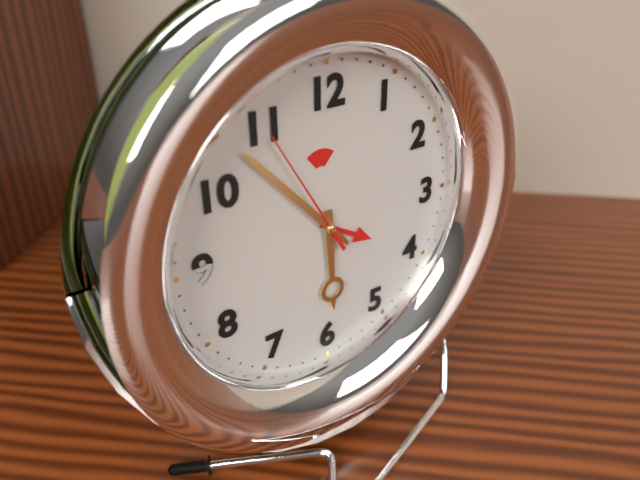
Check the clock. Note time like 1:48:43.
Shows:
5:53:55
